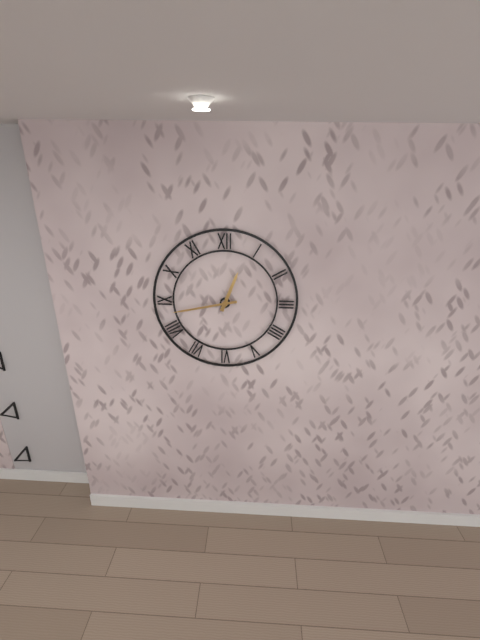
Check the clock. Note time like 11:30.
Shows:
12:43
